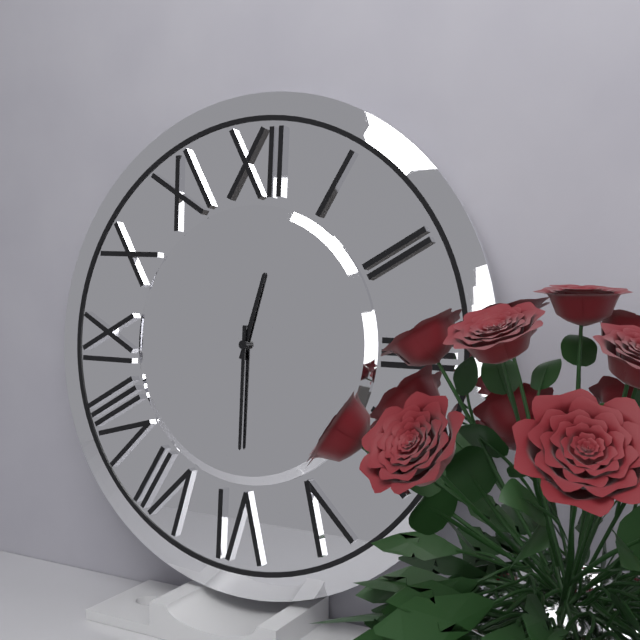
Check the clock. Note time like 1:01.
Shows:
12:30
